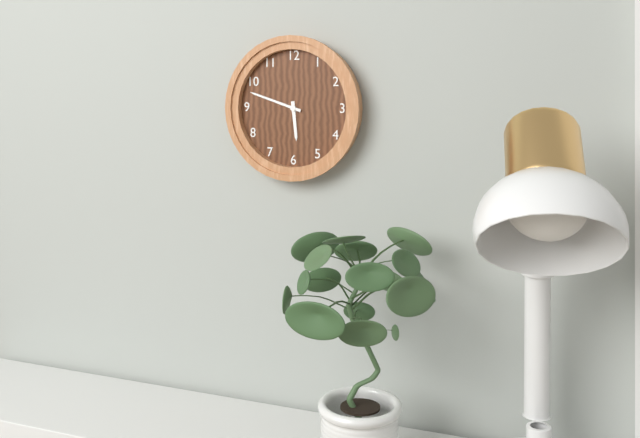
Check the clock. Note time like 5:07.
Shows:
5:48
